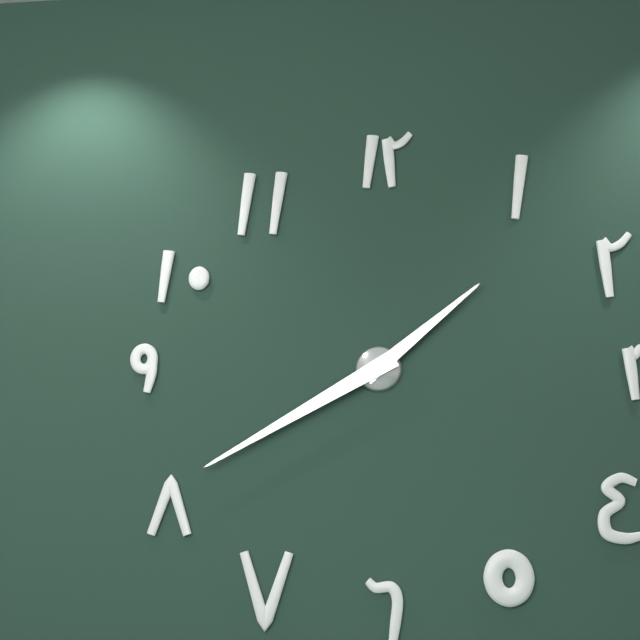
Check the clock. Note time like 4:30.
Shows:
1:40
